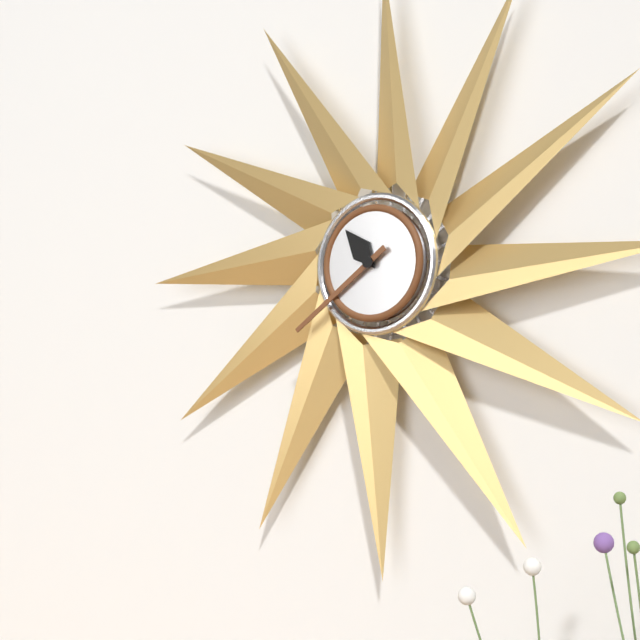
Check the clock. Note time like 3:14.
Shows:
10:39
